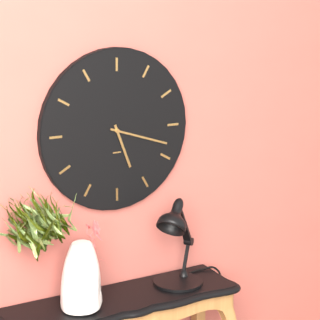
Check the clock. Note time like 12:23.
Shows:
5:18
